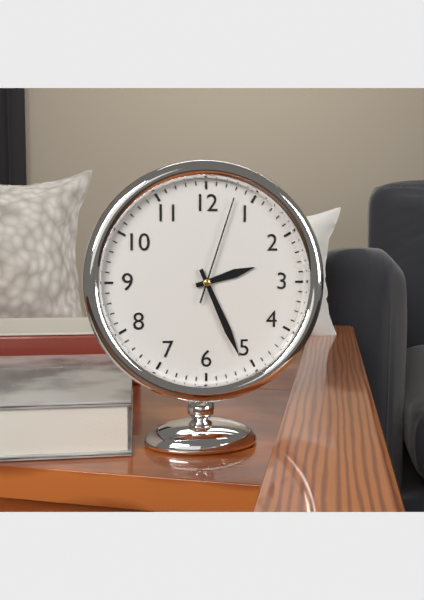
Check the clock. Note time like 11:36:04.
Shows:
2:26:03
